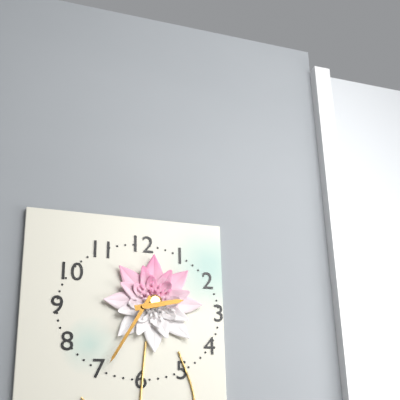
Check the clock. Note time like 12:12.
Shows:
2:35
